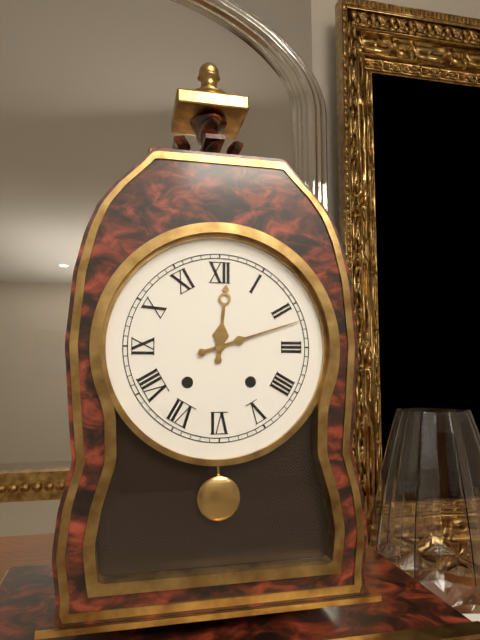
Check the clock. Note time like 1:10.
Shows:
12:12
